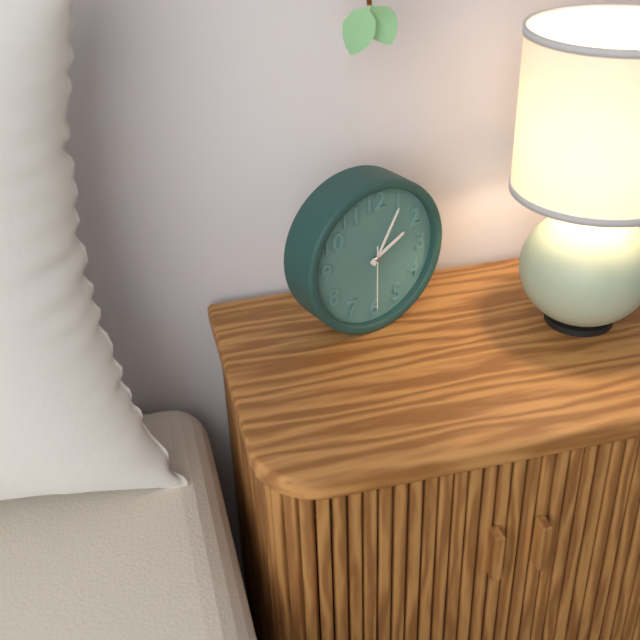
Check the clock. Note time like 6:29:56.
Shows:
2:05:30
